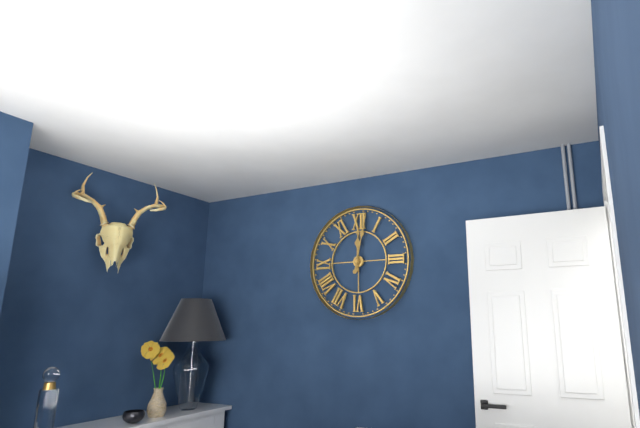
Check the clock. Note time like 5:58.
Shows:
12:02
